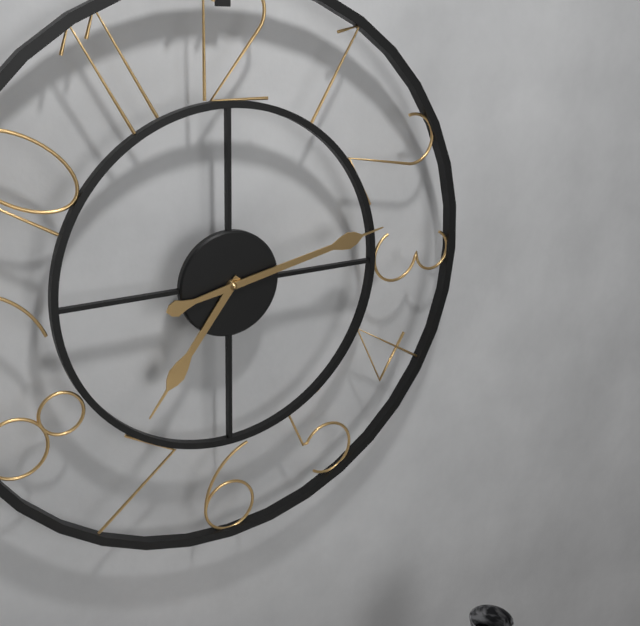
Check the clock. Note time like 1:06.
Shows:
7:13
